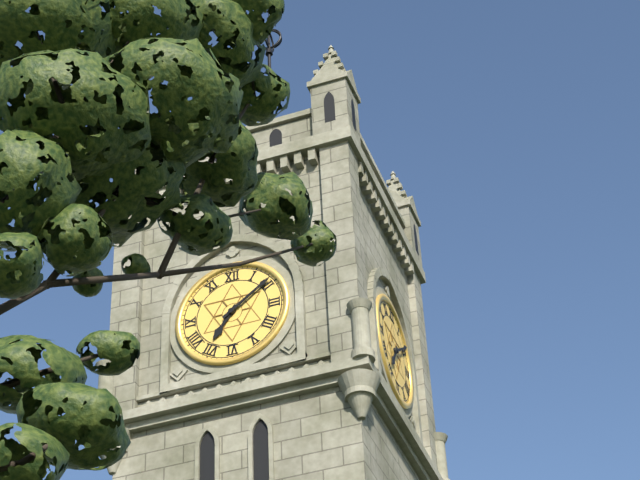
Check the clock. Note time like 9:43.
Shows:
7:09
